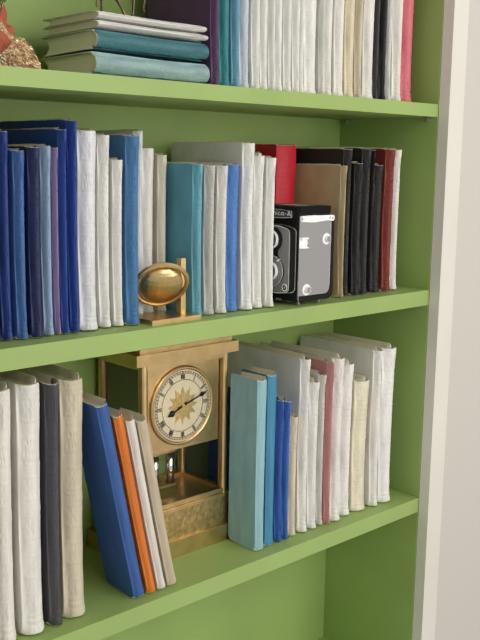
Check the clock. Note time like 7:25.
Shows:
8:12
